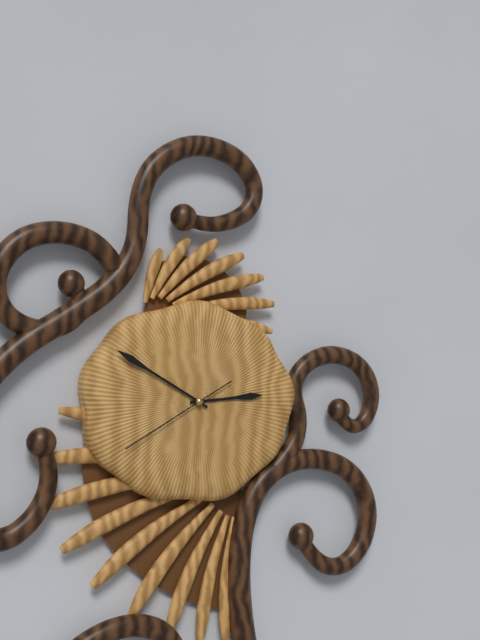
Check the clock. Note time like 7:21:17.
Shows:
2:50:40
